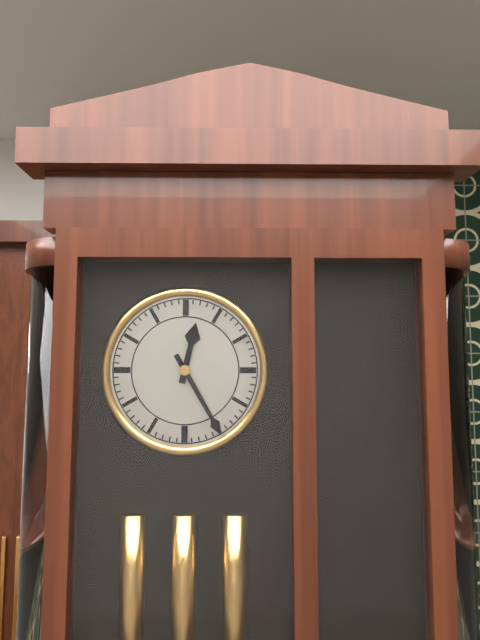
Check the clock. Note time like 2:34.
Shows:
12:25
